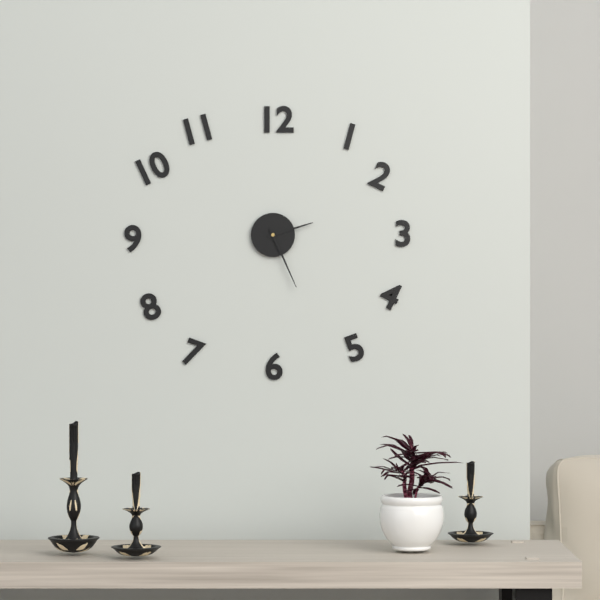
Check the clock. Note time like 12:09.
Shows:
2:26
